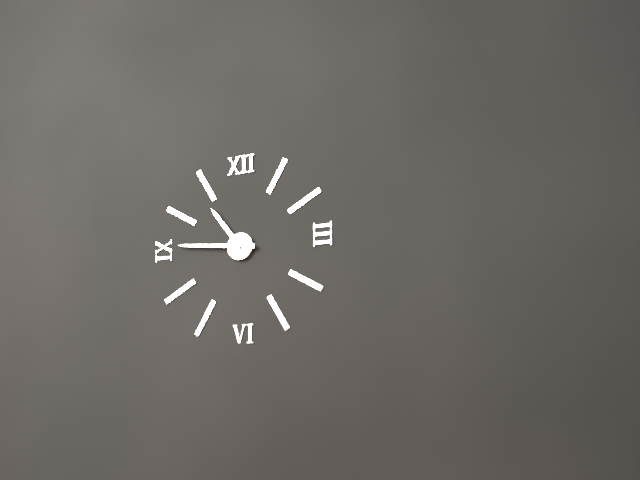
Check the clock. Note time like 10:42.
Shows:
10:46
